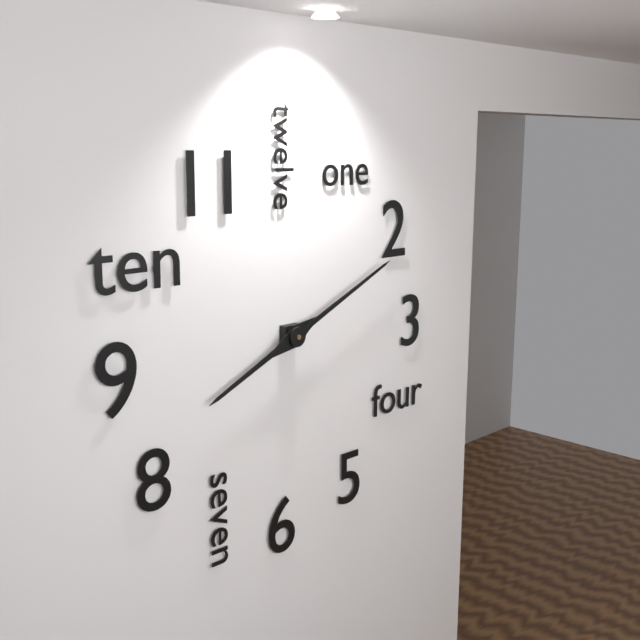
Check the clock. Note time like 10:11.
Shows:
8:11
